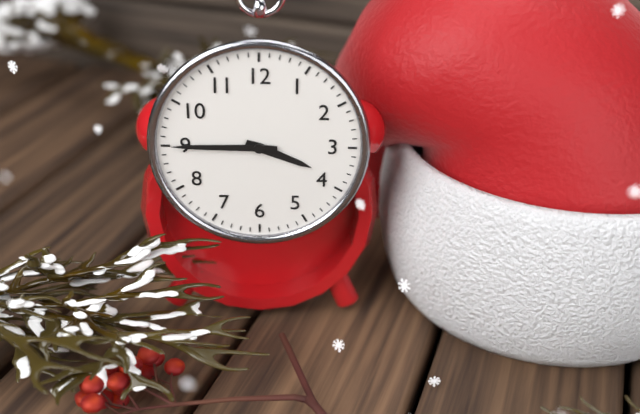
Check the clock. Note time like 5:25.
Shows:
3:45
